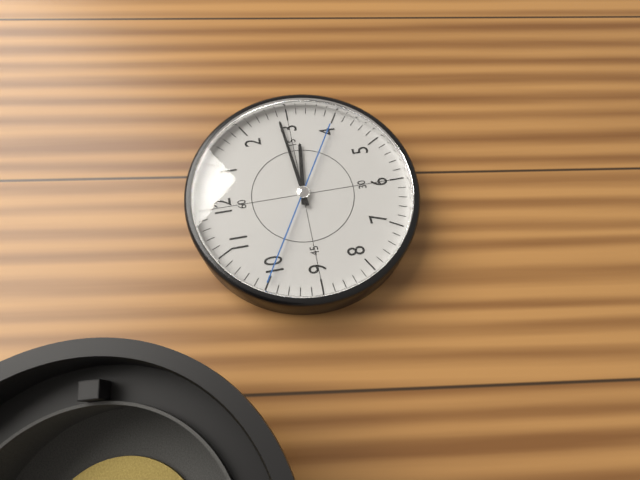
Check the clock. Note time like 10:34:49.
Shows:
3:14:50
